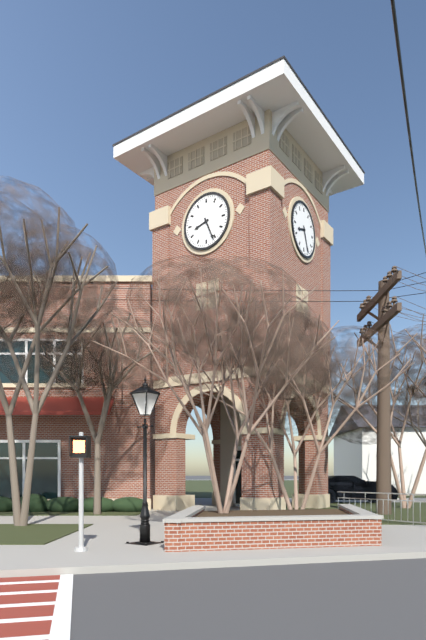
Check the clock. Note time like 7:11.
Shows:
8:26
